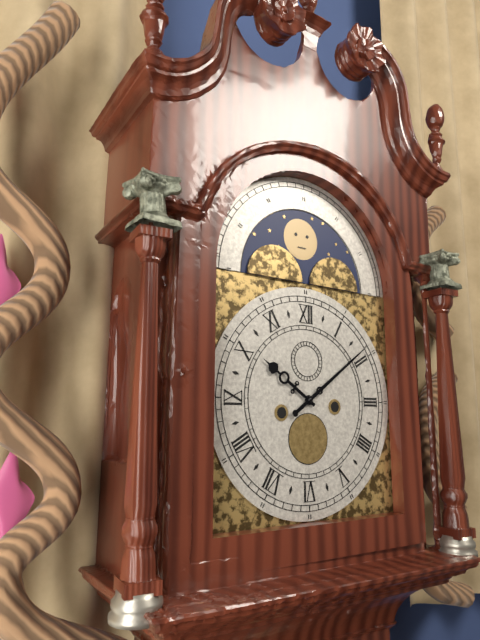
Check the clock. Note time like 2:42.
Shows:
10:09
